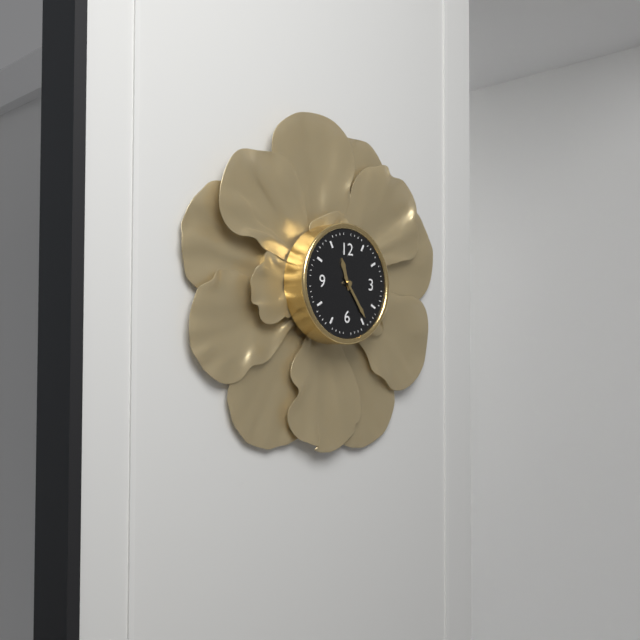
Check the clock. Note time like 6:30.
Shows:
11:24
